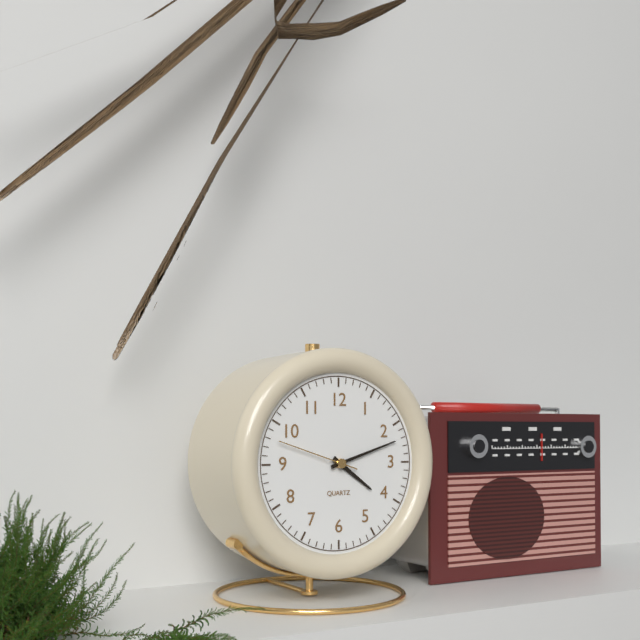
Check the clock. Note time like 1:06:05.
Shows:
4:12:48
